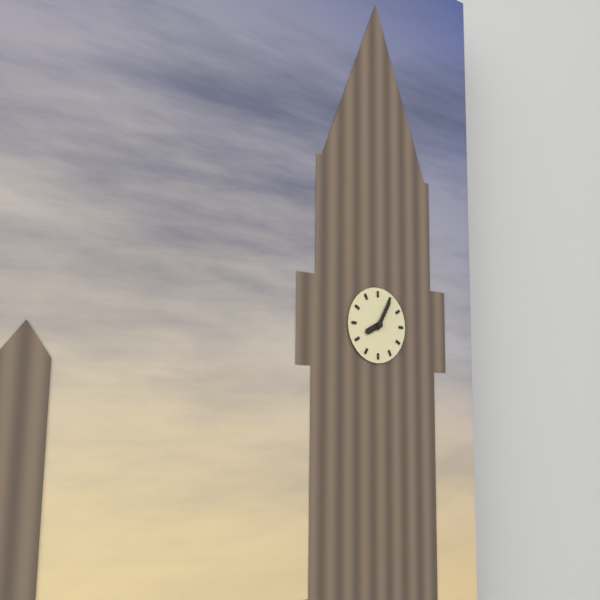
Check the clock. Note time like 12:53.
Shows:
8:05
